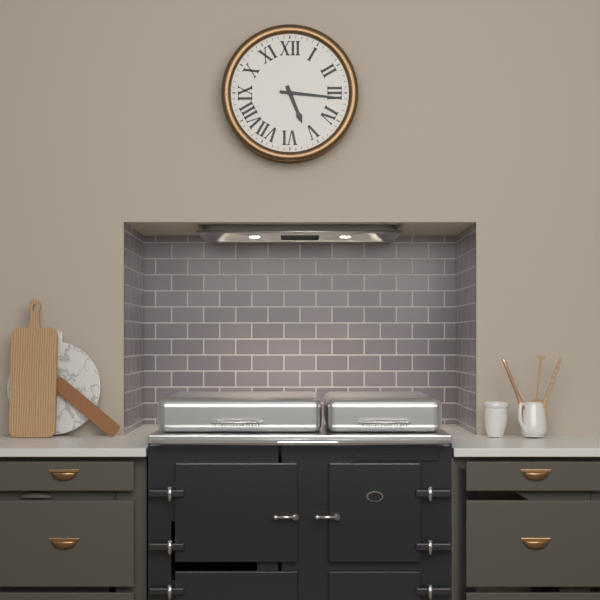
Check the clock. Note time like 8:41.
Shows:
5:16
